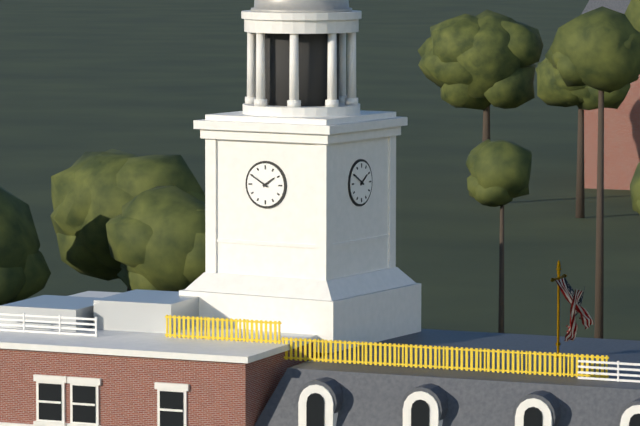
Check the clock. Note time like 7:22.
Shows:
1:50
